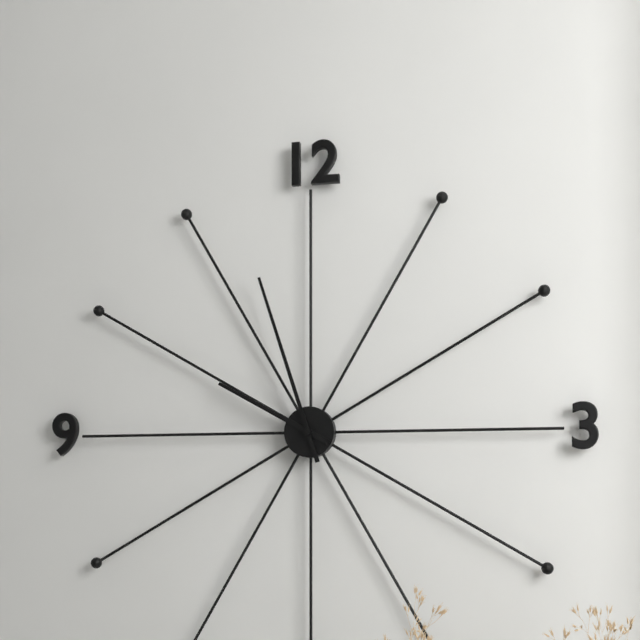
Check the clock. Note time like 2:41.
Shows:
9:57
